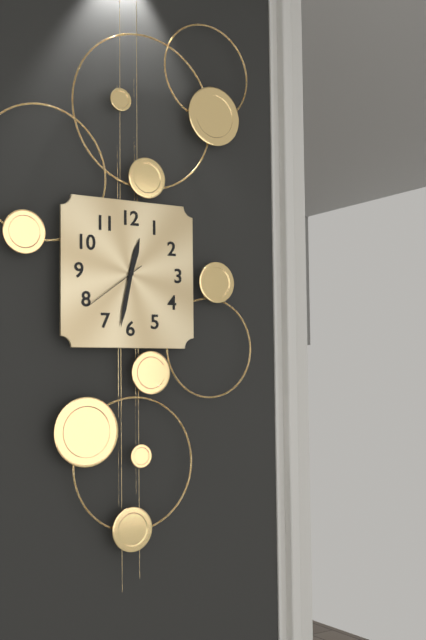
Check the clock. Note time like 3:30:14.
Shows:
12:32:39
